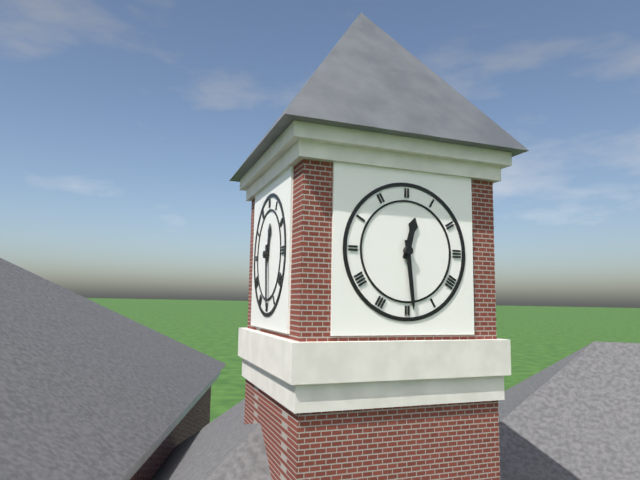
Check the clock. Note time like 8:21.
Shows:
12:29
